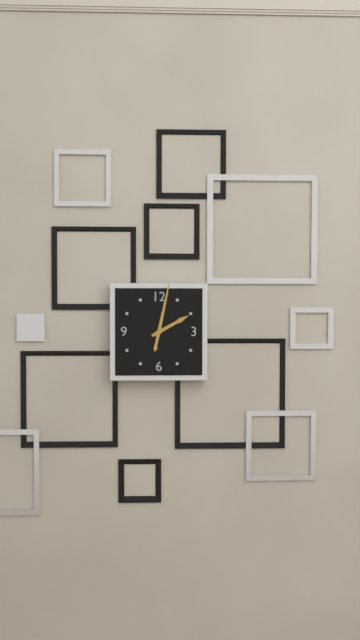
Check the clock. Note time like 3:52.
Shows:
2:02
